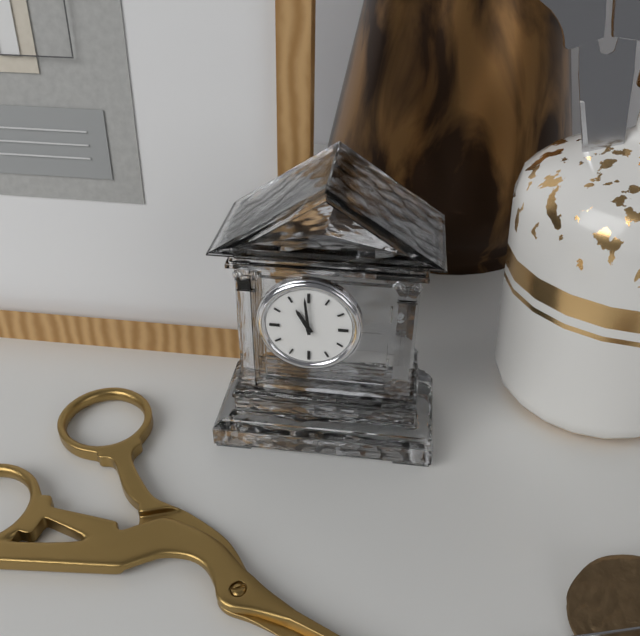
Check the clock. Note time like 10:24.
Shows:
10:59
